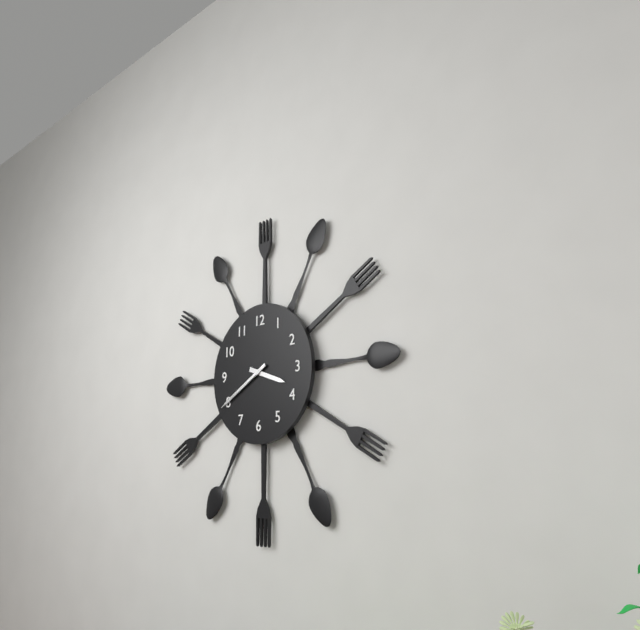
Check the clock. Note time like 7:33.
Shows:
3:40
